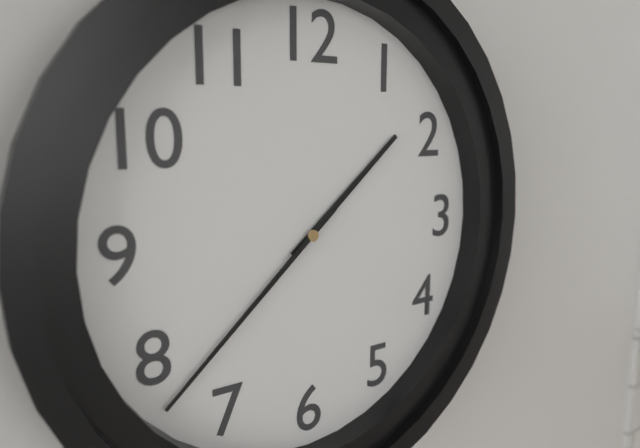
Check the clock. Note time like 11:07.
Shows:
1:38
